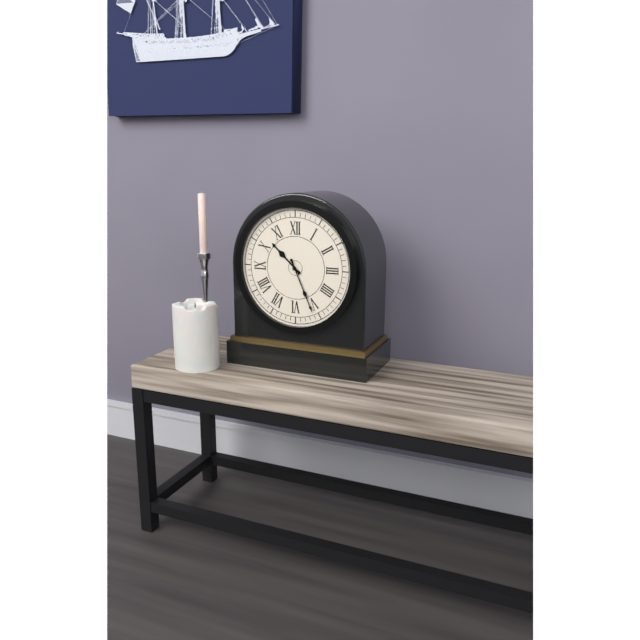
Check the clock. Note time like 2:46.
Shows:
10:26
